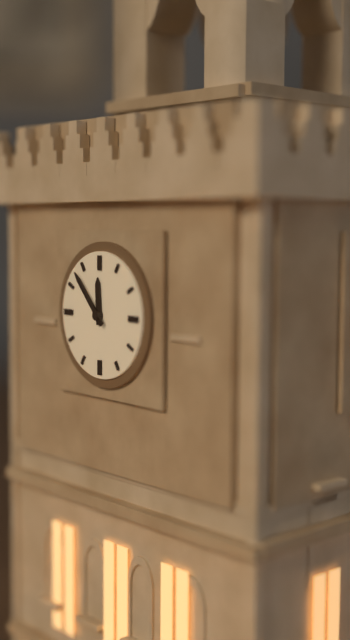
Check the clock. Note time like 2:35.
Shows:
11:53
